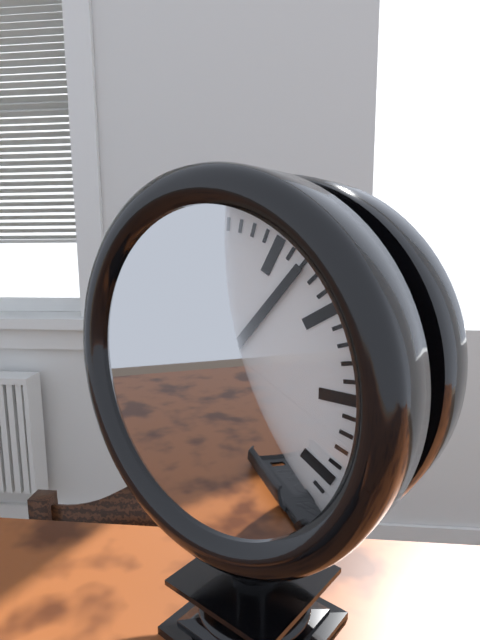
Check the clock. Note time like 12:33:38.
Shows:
5:07:31
